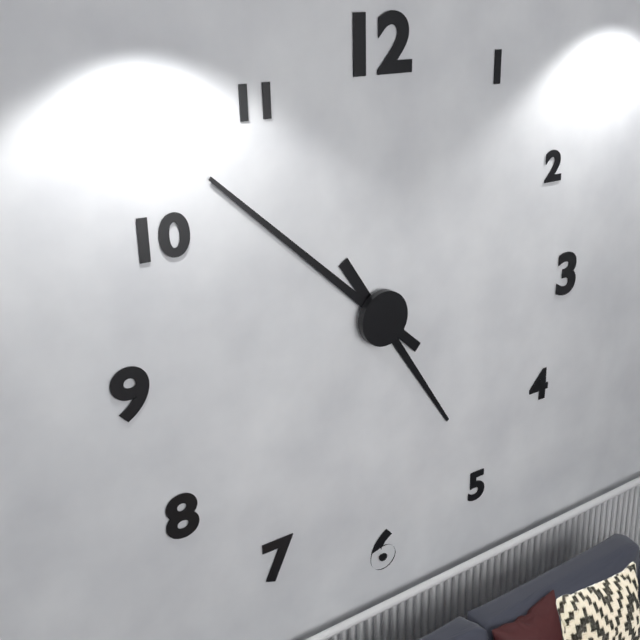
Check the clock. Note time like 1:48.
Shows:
4:52
